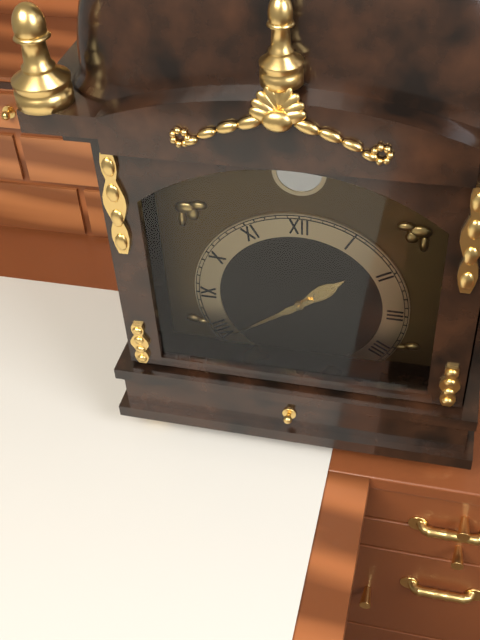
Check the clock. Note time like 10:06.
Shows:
1:39
